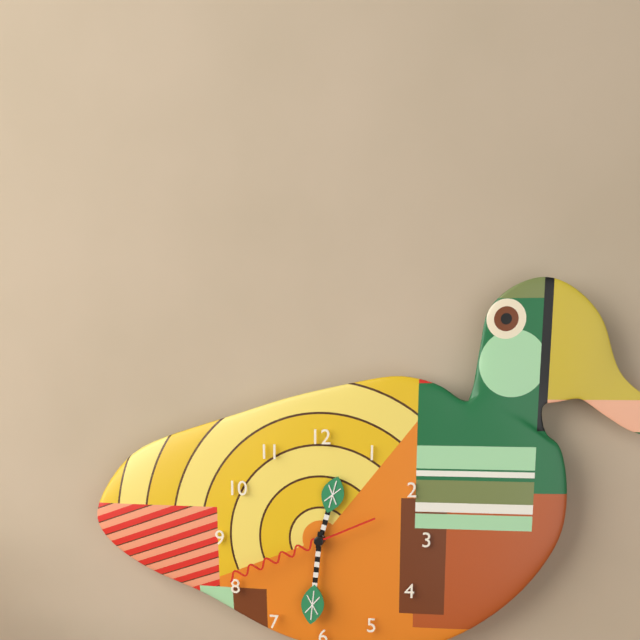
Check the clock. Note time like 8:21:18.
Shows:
12:31:41
